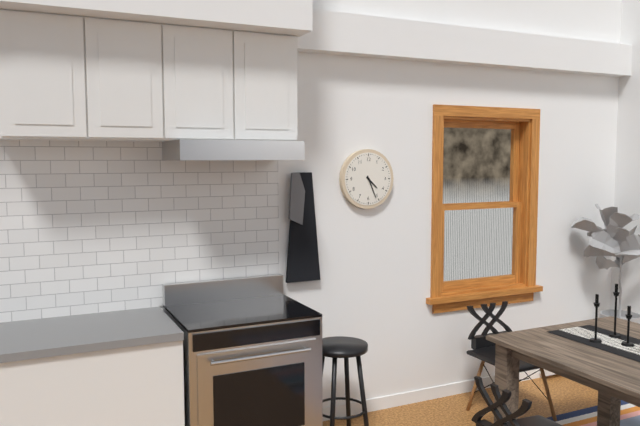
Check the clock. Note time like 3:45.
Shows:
4:26
